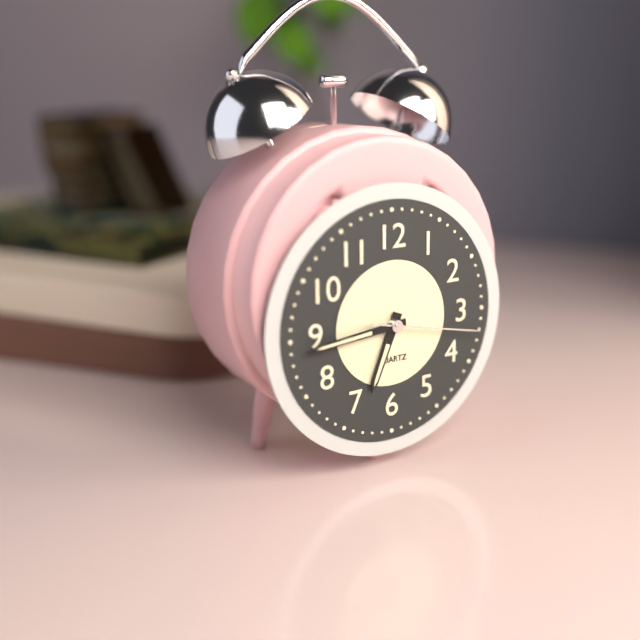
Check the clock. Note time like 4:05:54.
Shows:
6:44:17
